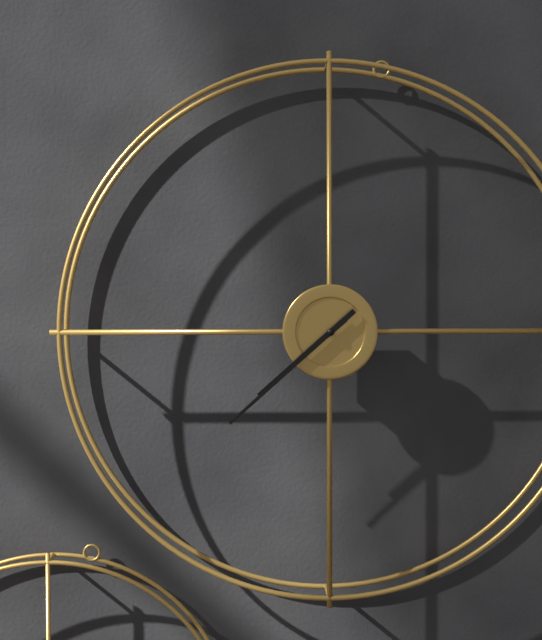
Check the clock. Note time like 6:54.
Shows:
7:38
